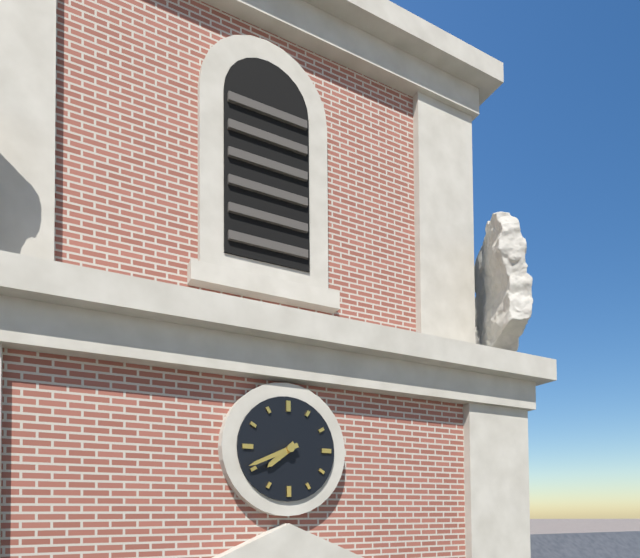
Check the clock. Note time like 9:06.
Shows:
7:41
